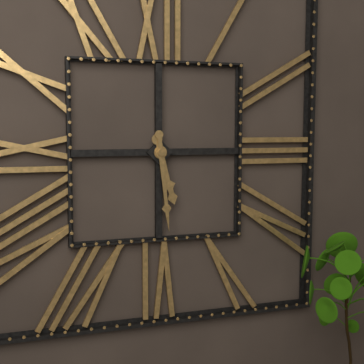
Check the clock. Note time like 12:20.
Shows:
5:29
